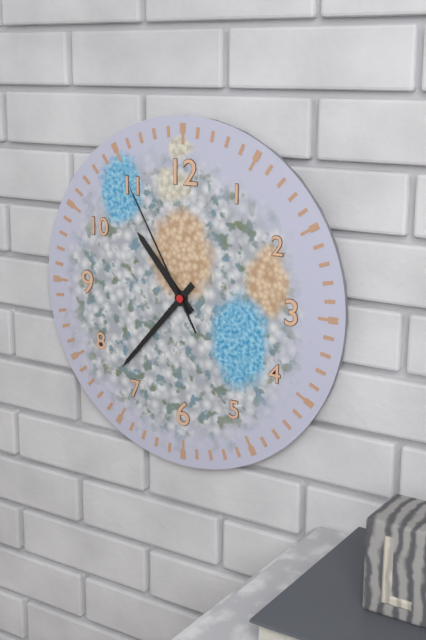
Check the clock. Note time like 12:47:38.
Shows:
10:37:55
